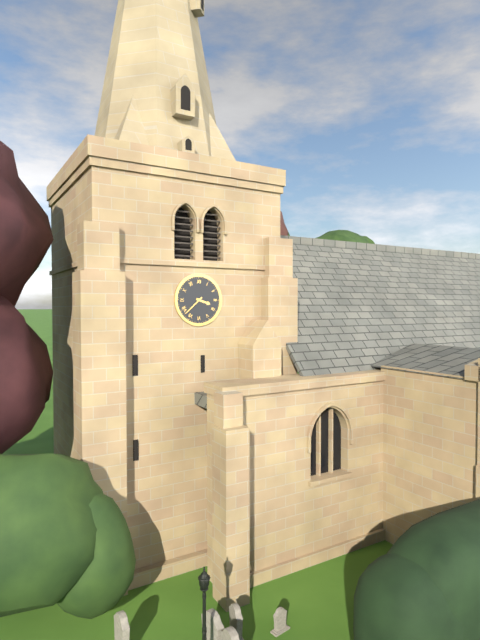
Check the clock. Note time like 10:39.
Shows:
3:38
